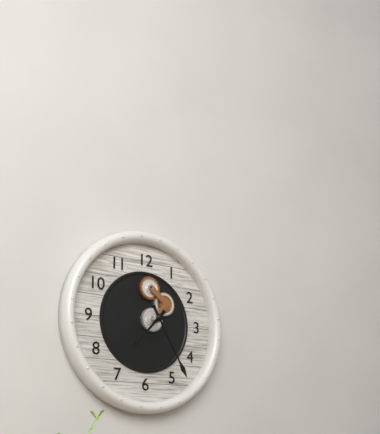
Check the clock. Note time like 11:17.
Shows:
7:25
